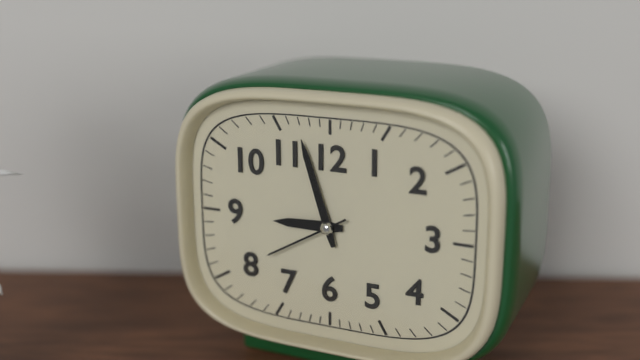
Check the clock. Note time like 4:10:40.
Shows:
8:57:40
